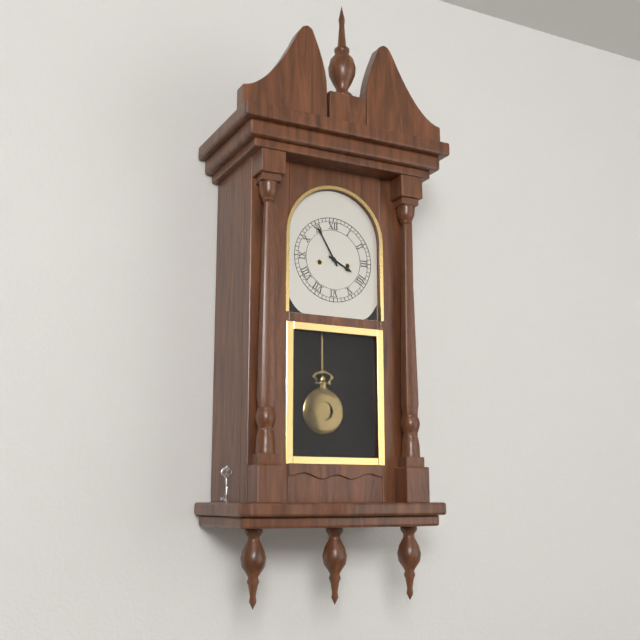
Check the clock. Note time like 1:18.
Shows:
3:55
